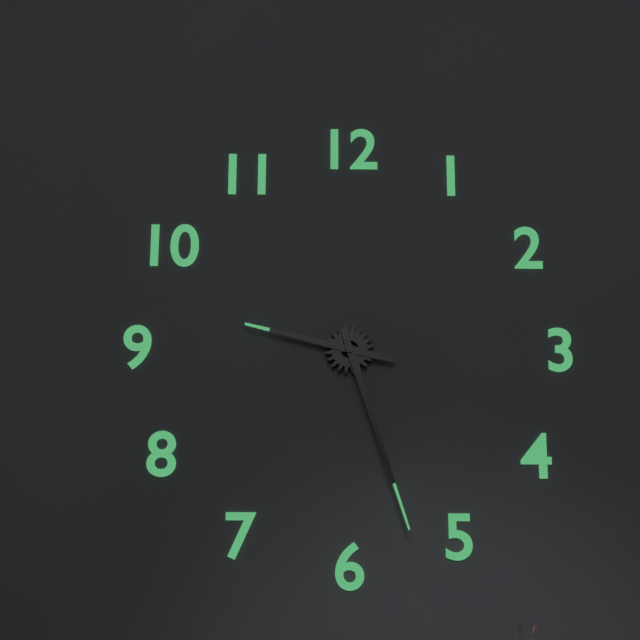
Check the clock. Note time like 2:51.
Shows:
9:27
